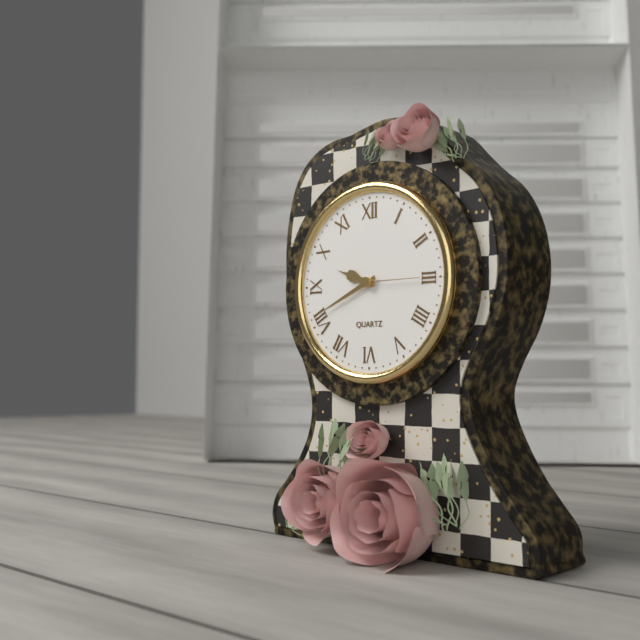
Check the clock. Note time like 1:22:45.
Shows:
9:41:15
